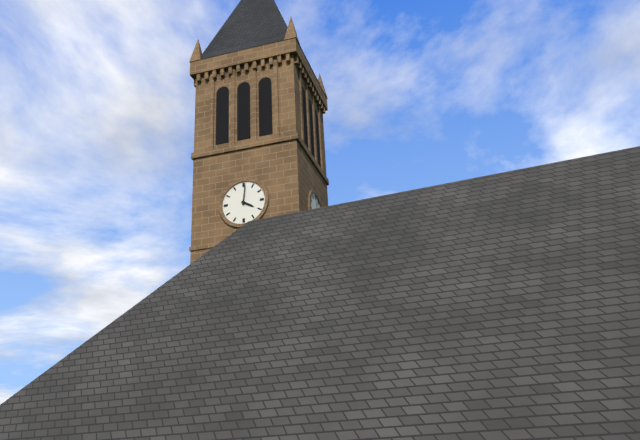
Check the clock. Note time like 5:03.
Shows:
4:01
